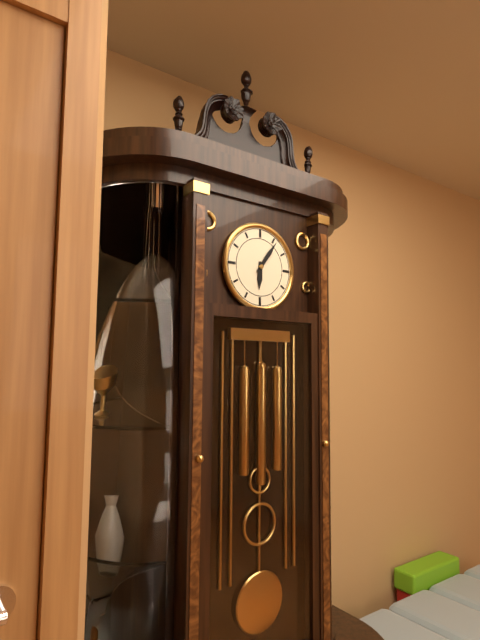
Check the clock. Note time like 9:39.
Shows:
6:06
